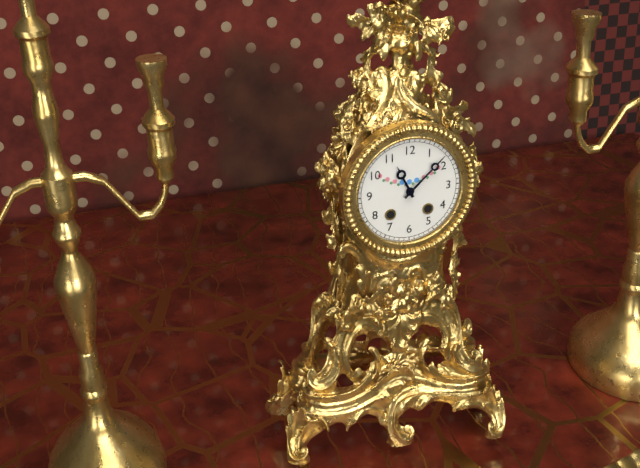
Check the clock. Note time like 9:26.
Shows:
11:08
